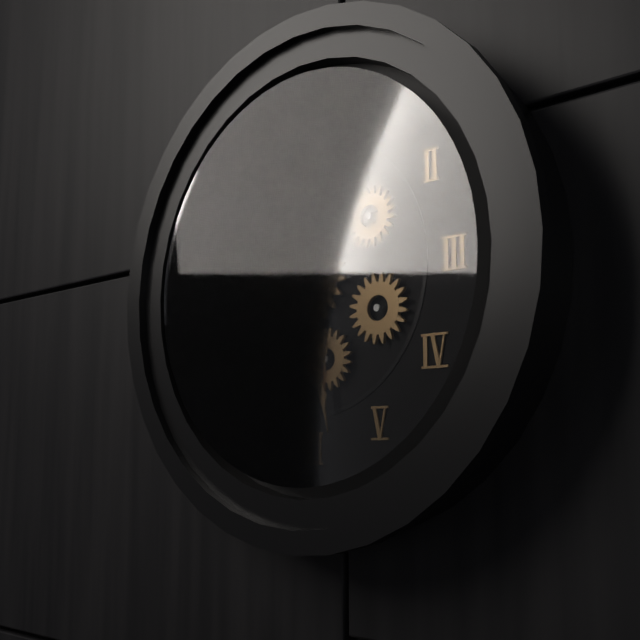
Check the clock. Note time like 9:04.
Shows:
5:28
